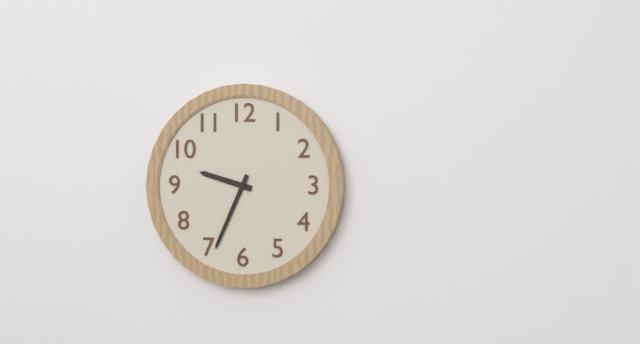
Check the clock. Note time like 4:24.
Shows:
9:34
